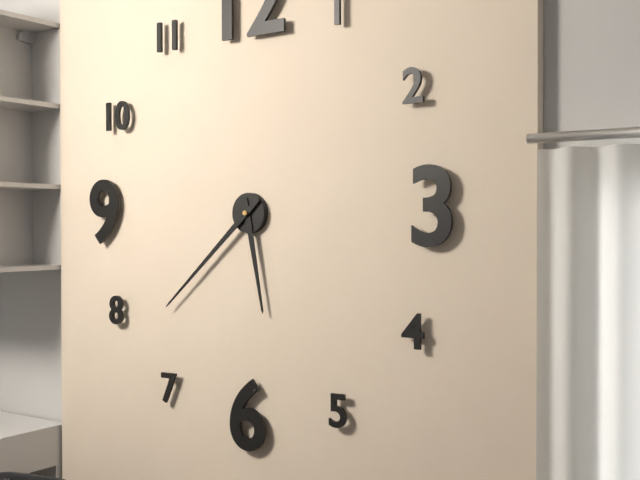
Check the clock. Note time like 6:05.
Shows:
5:38
